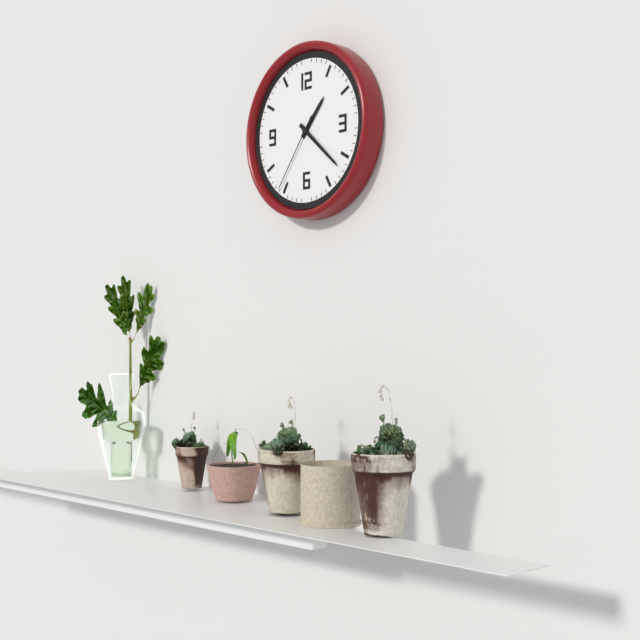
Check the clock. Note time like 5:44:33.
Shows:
1:22:36
